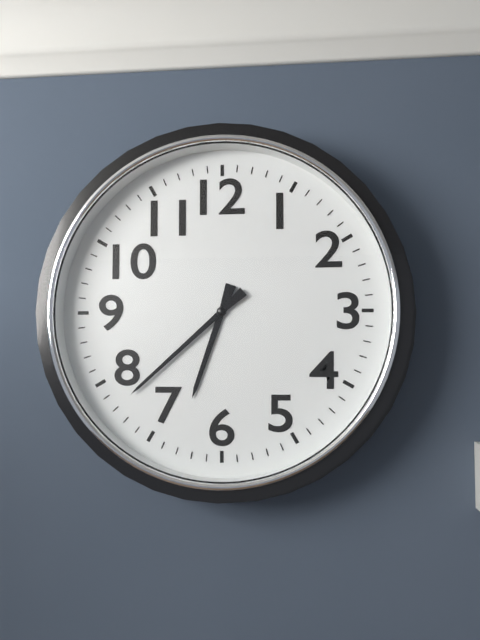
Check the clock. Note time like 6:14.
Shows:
6:38
